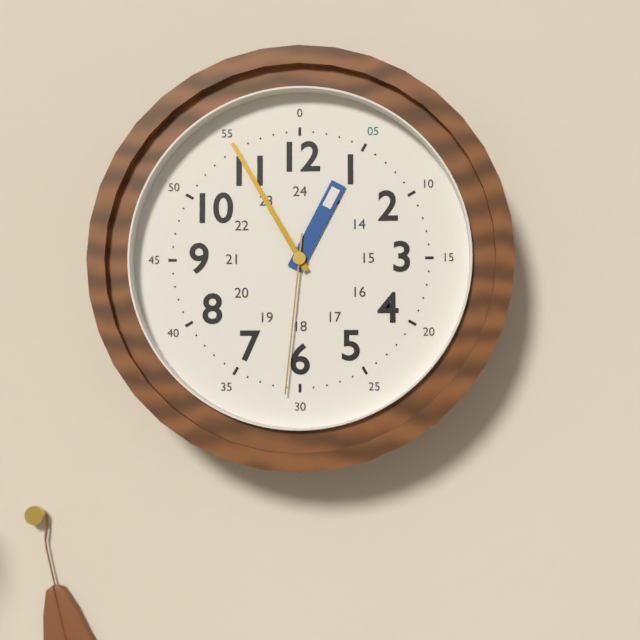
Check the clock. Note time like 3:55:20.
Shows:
12:55:31
